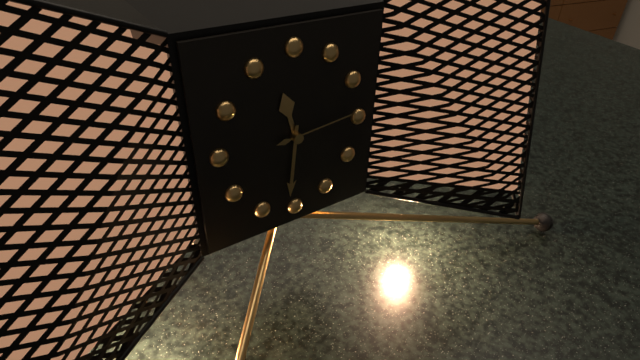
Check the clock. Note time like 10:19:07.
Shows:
11:31:14
